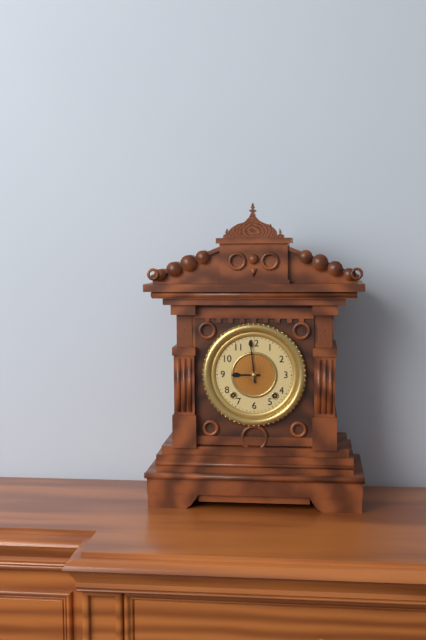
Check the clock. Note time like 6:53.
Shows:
8:59
